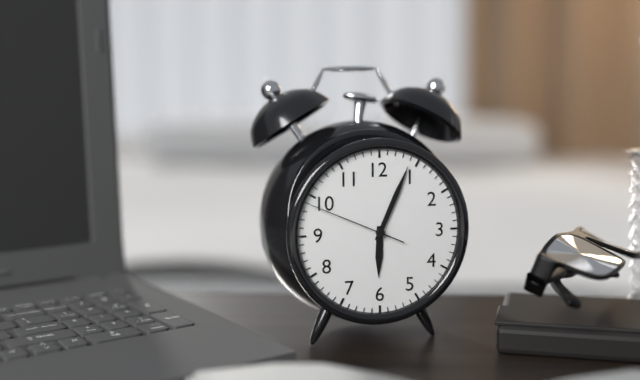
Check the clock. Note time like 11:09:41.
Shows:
6:04:49
